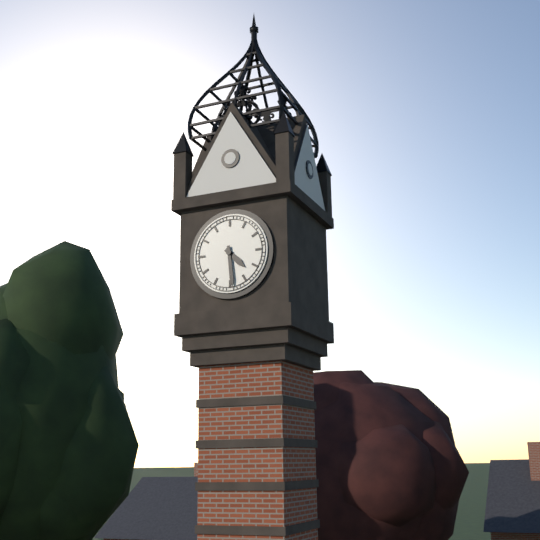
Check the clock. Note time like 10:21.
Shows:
4:29
